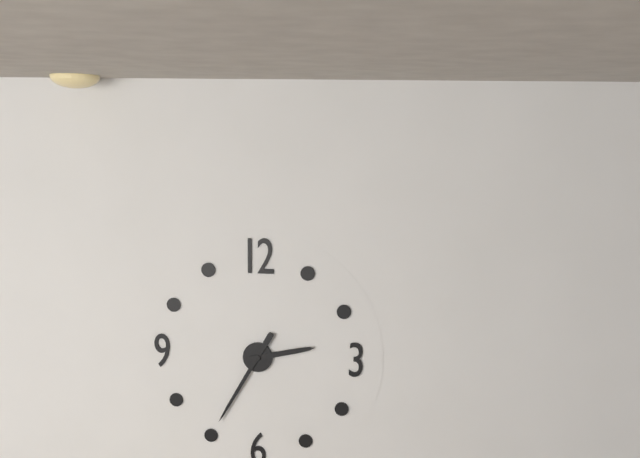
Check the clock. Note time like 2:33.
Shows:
2:35
